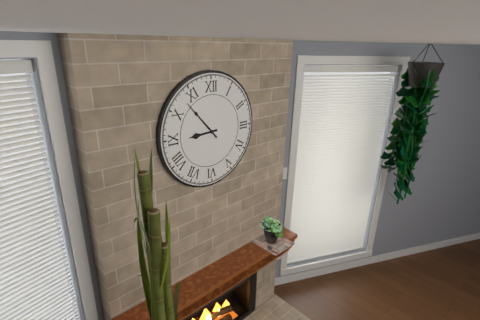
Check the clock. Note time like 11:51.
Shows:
8:53
